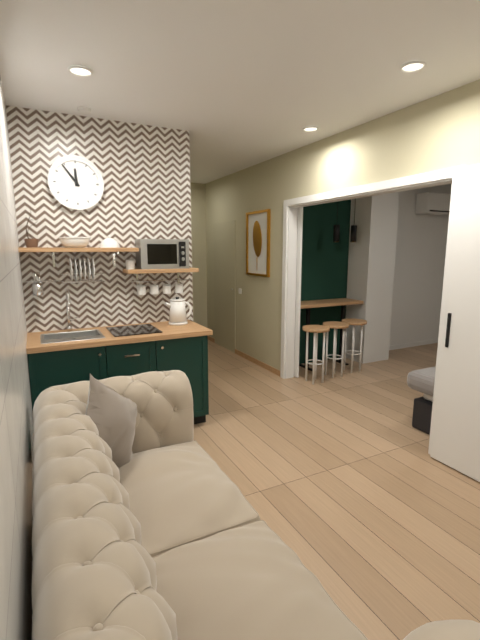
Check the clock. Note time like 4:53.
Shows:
11:54
